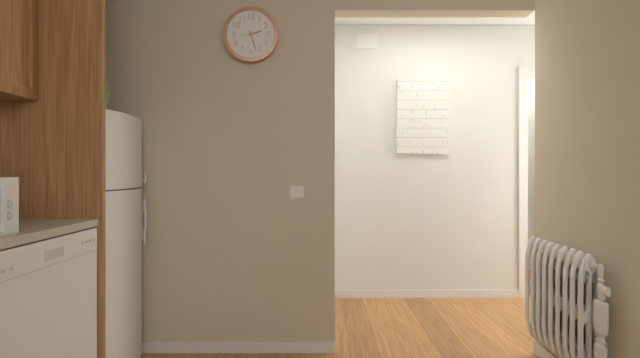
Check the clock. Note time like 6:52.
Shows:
2:27
